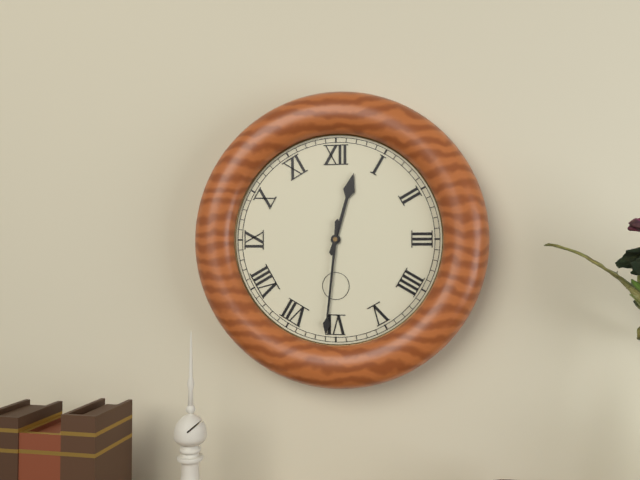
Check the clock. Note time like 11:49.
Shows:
12:31
